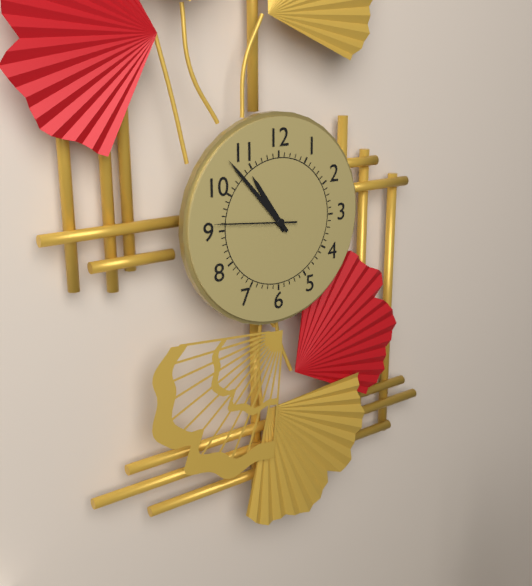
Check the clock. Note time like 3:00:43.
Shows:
10:53:46
